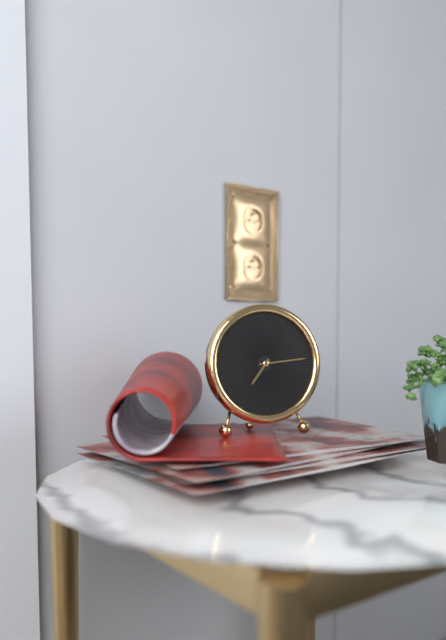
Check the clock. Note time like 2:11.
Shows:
7:14
